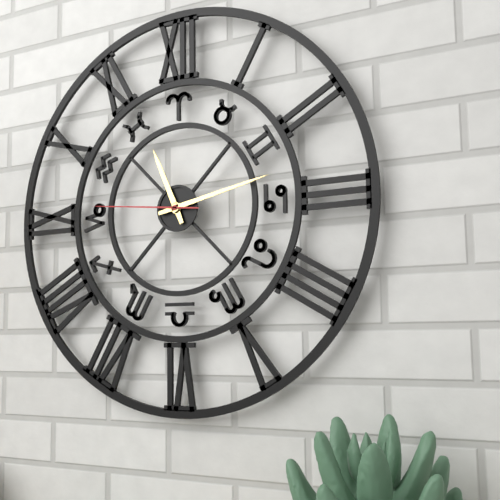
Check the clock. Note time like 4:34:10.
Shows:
11:13:46
